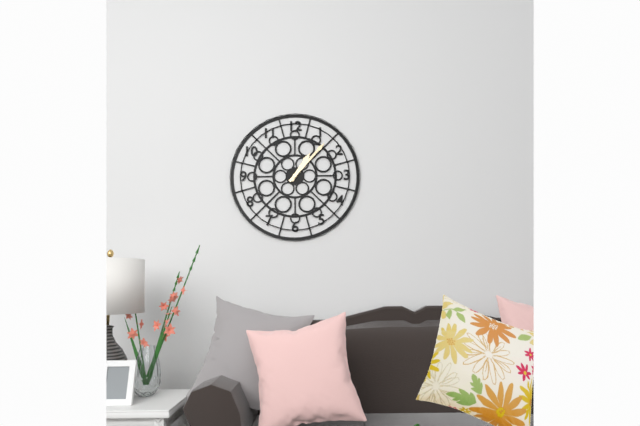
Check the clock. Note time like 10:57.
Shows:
1:07
